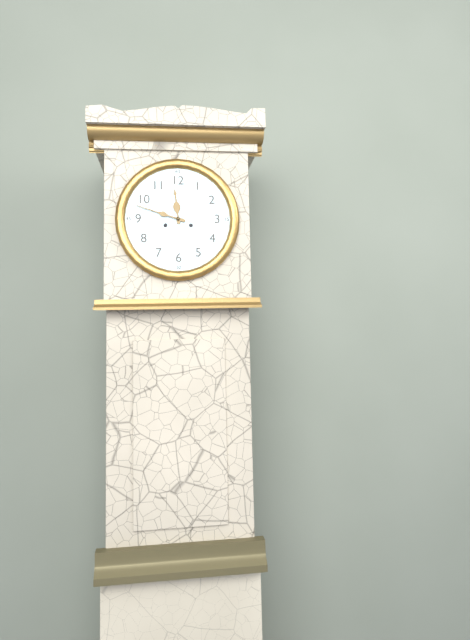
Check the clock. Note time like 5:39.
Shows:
11:48
